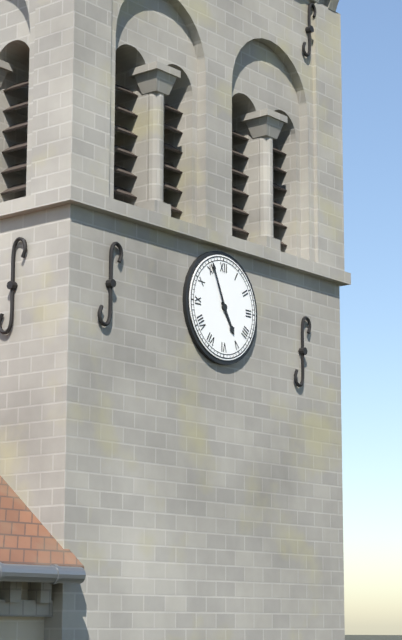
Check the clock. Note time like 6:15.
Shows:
4:56
